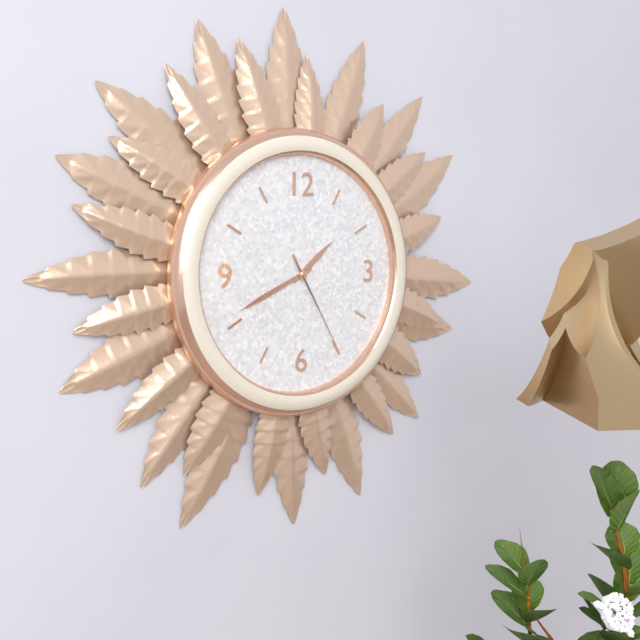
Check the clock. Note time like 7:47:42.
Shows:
1:41:25
